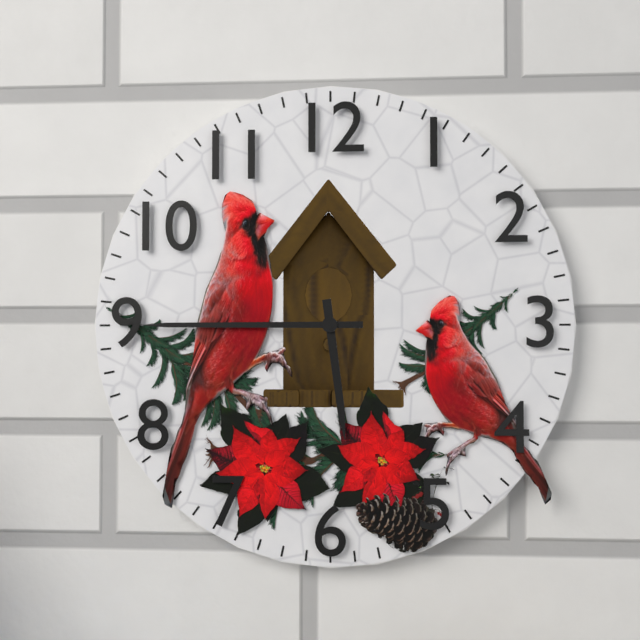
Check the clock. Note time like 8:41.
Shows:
5:45
